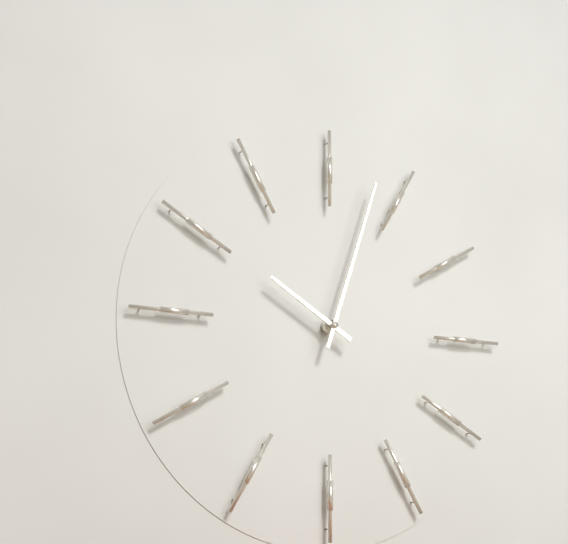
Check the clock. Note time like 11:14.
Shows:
10:03
